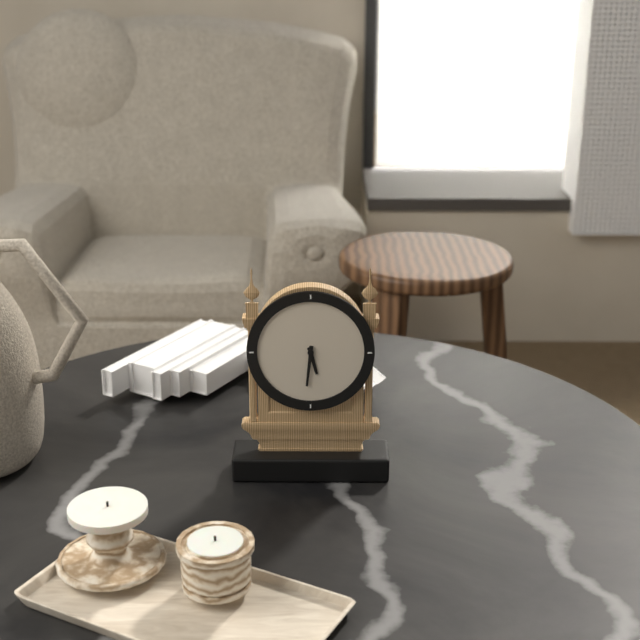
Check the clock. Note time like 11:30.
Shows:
5:31
